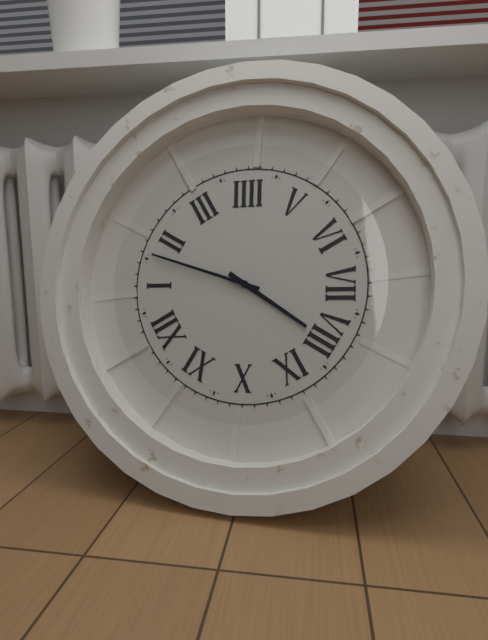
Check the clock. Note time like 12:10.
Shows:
8:08
